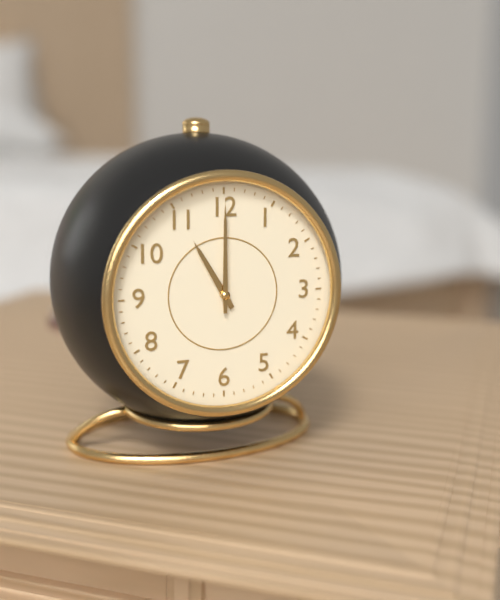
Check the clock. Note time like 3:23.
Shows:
11:00
